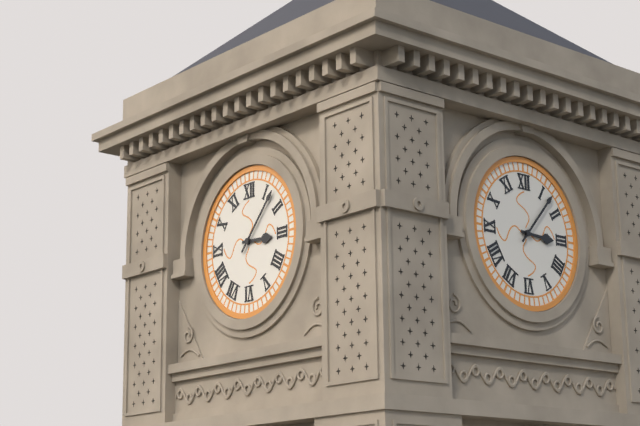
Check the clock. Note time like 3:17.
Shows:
3:07
